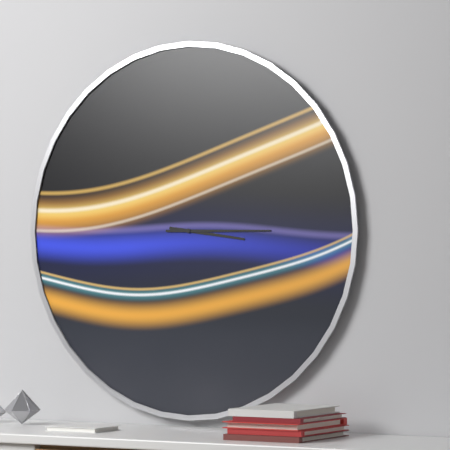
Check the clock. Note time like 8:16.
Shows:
3:15
